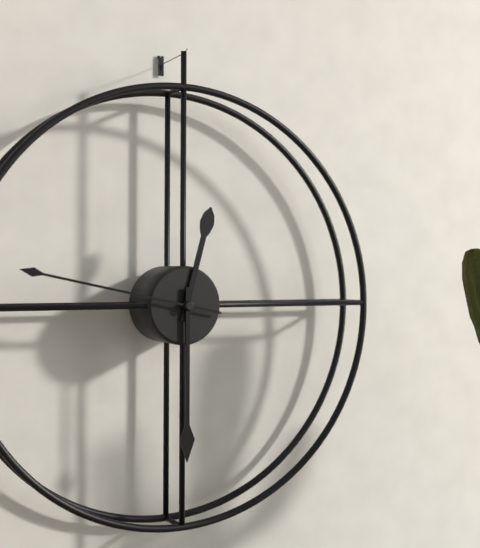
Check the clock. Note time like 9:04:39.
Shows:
12:30:47
